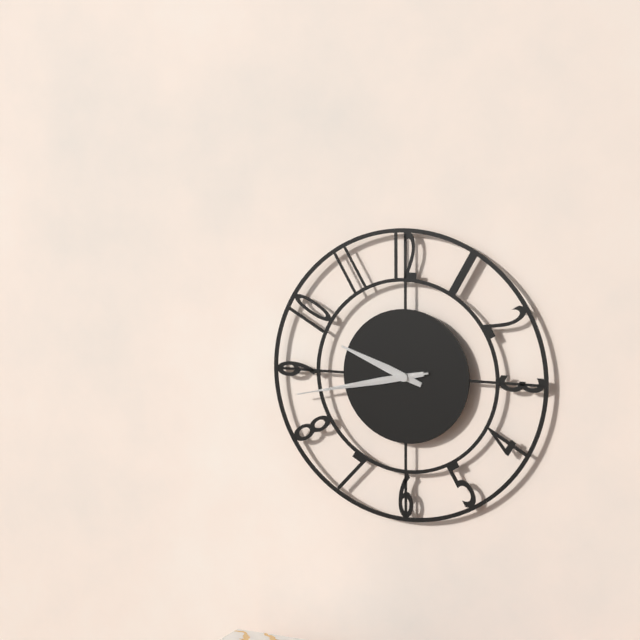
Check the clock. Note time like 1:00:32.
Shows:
9:43:43
